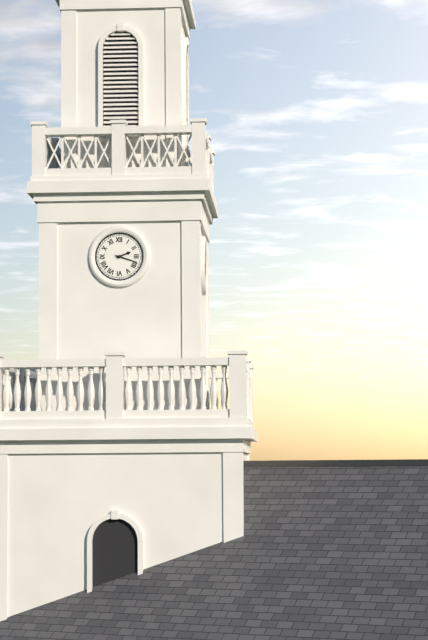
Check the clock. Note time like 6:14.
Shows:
2:18
